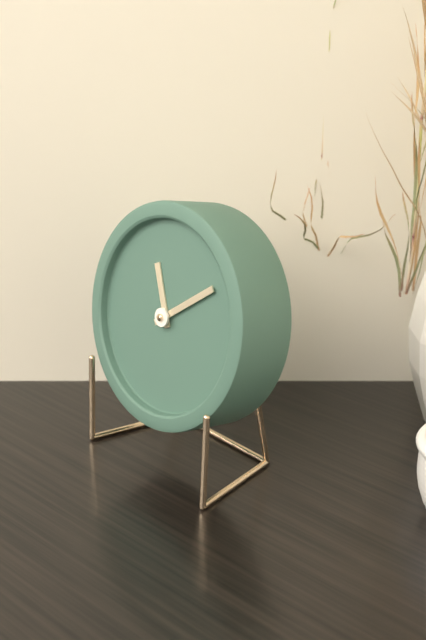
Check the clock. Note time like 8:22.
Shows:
11:09
